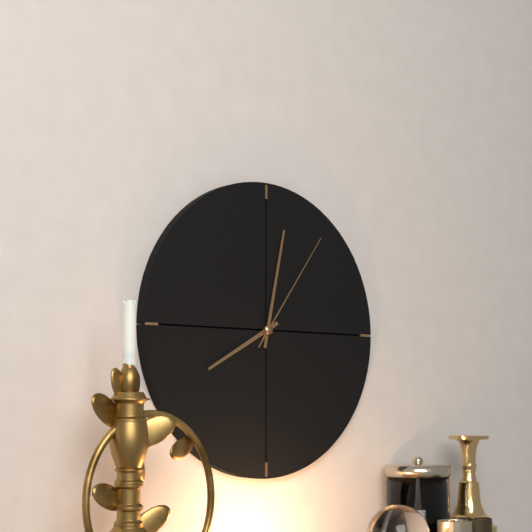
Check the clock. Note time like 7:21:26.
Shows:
8:02:06
